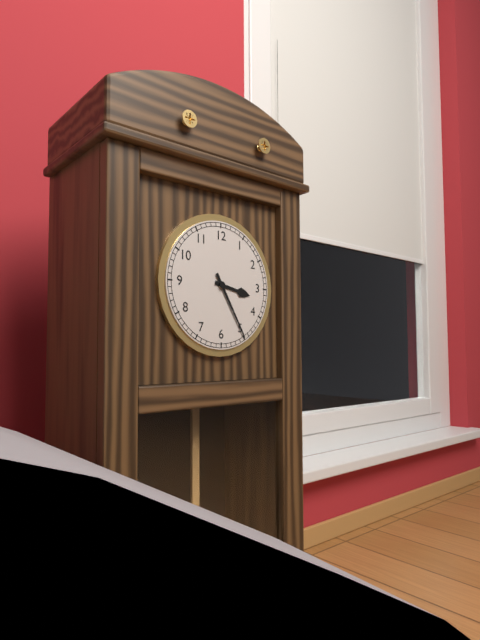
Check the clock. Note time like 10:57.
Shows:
3:25
